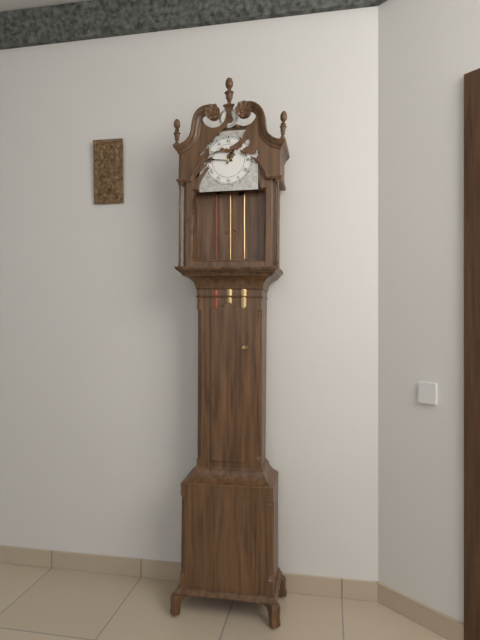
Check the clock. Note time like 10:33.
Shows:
12:46
